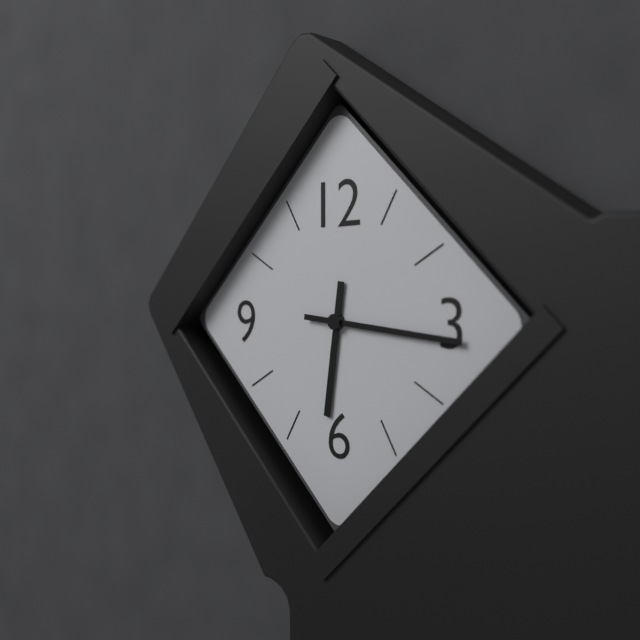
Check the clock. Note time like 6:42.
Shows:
6:16
